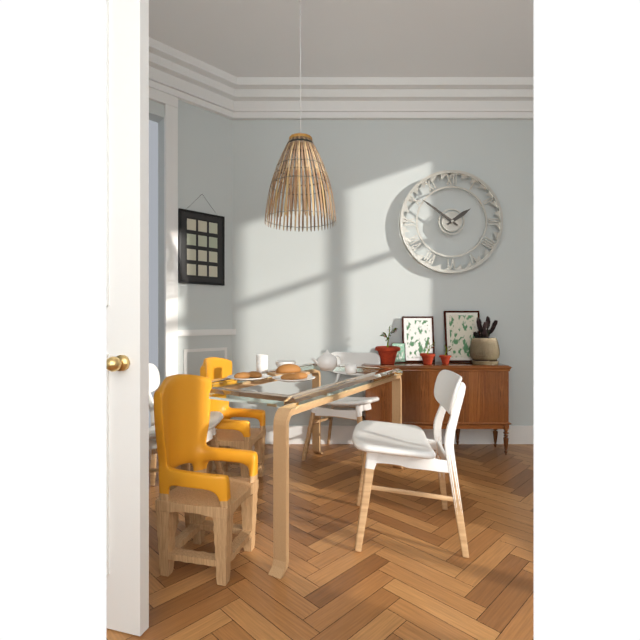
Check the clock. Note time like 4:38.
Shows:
1:51
